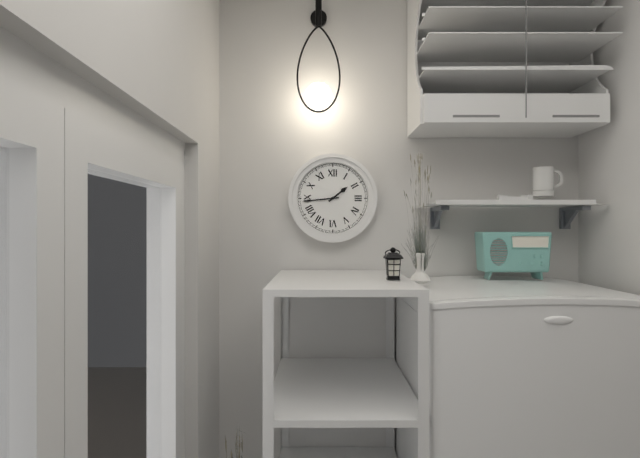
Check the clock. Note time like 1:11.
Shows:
1:44
